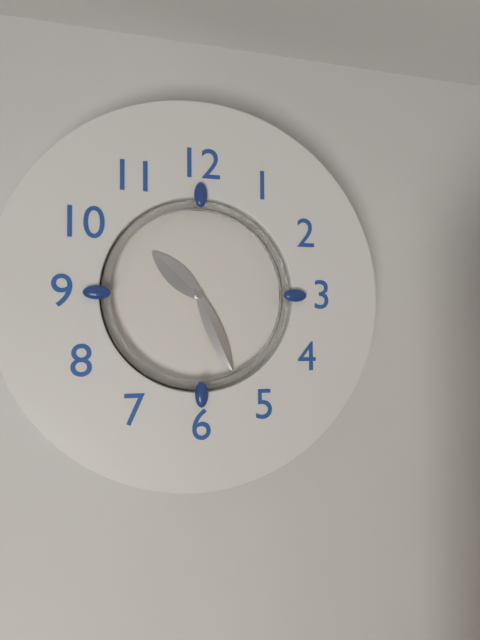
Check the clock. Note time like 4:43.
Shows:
10:26
